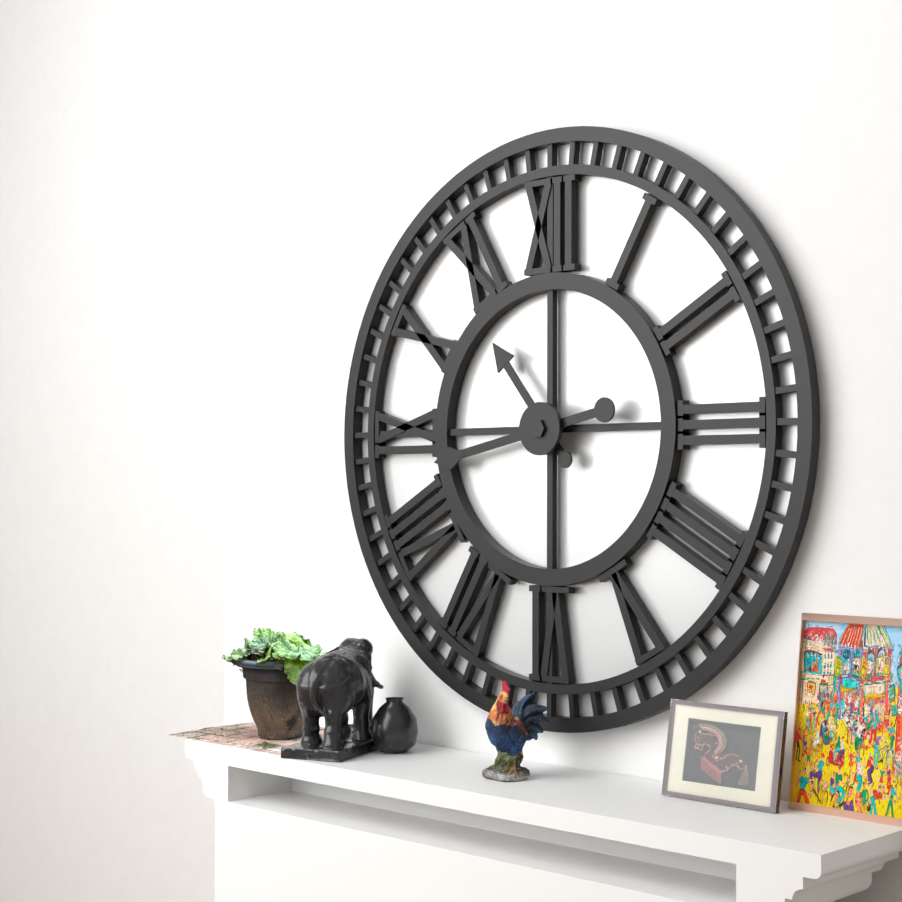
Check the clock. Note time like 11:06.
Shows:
10:43
